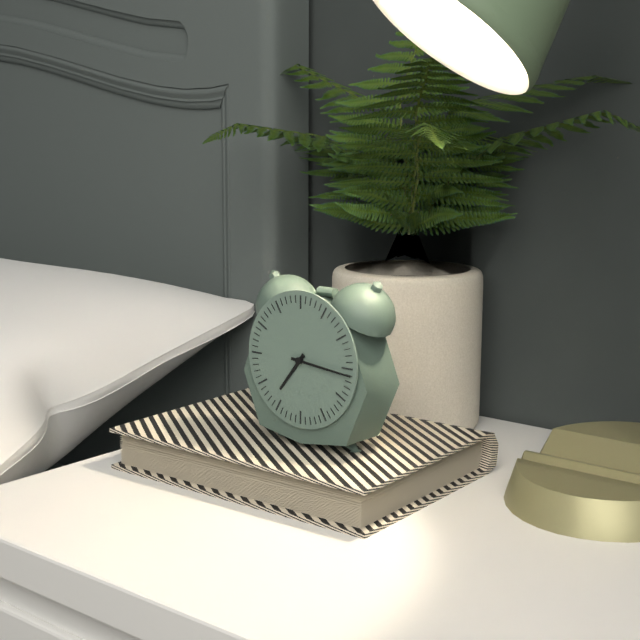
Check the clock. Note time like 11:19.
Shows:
7:16
